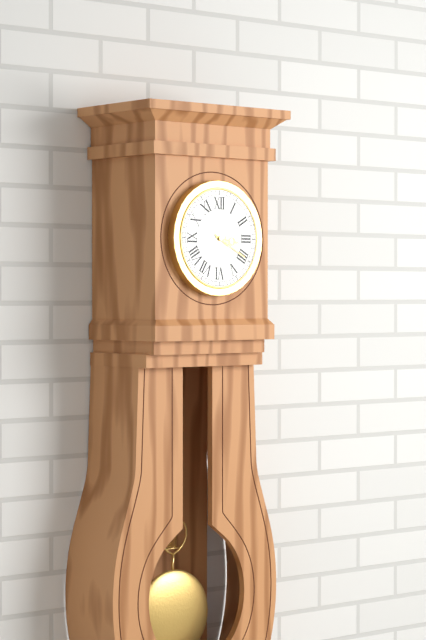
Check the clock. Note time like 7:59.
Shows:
3:20
